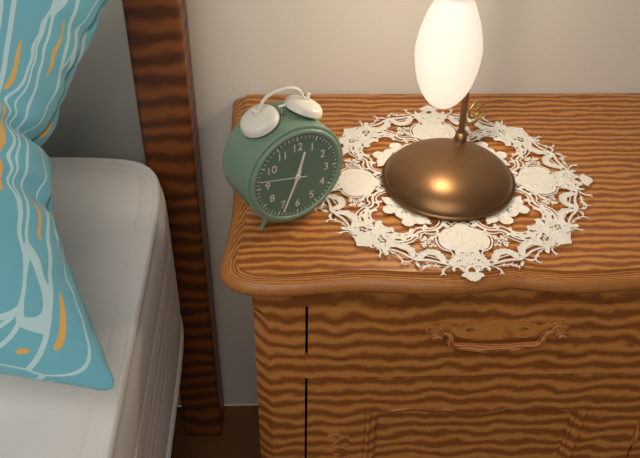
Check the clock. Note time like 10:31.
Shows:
12:34
